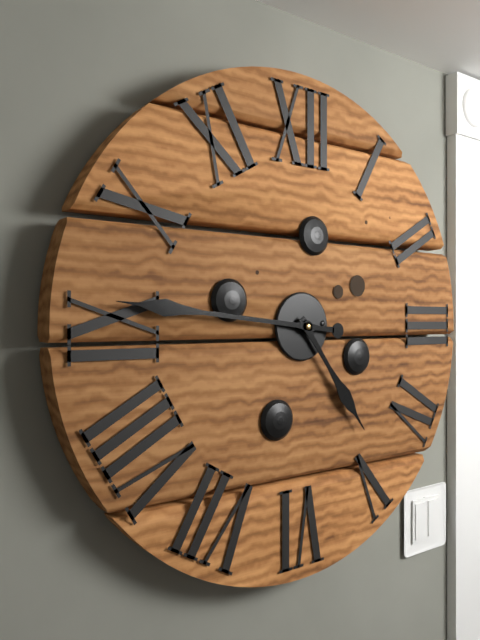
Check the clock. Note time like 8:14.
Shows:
4:46
